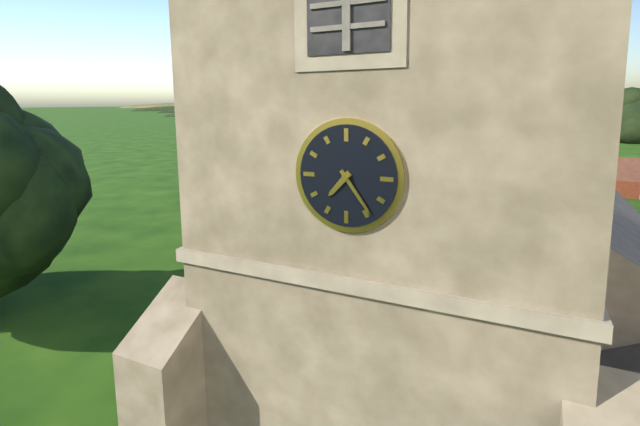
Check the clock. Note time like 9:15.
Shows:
7:24
